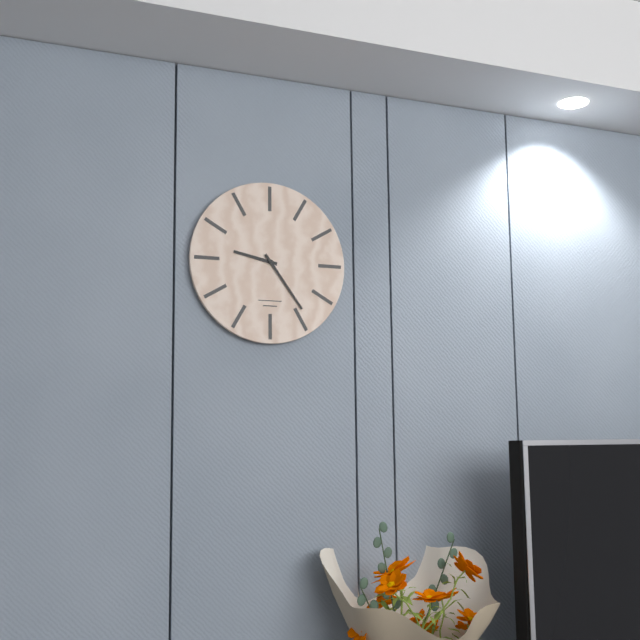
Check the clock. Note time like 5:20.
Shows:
9:24
